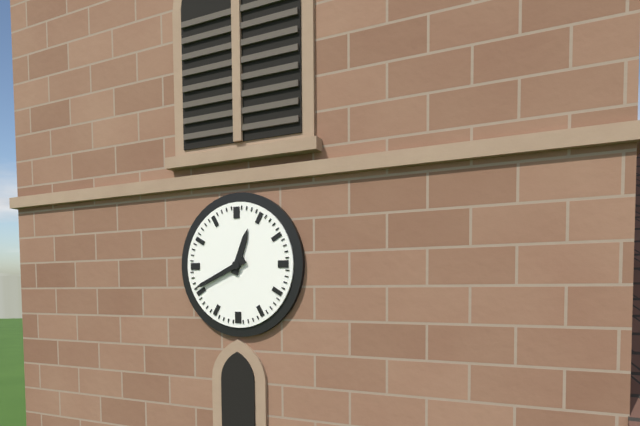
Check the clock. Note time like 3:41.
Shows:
12:41
